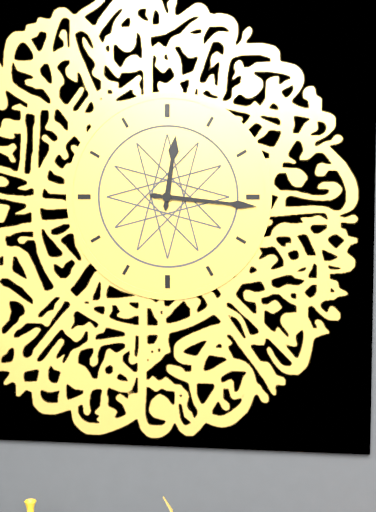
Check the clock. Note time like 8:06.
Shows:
12:16
